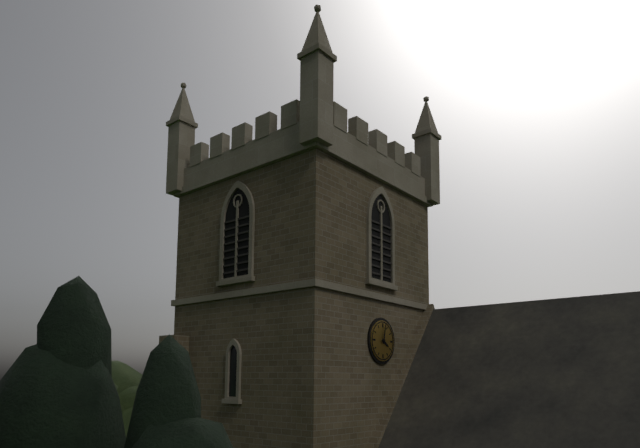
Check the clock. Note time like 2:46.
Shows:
4:02
